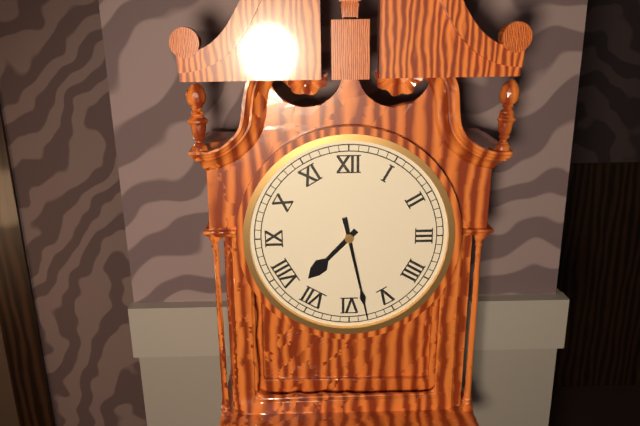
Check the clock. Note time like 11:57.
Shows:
7:28
